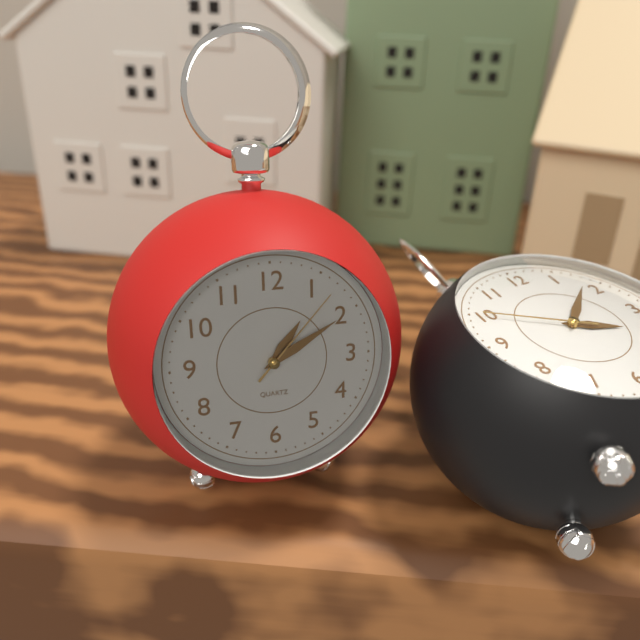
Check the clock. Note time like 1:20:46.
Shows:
1:10:07
